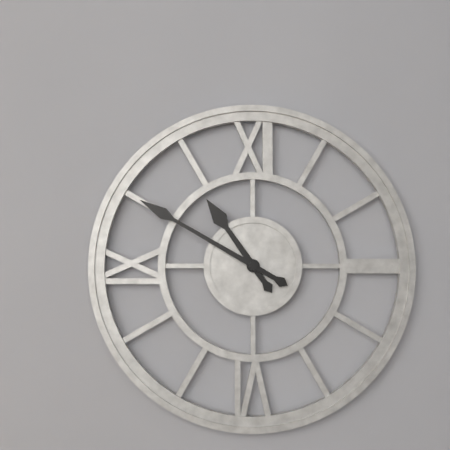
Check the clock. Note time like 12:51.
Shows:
10:50
